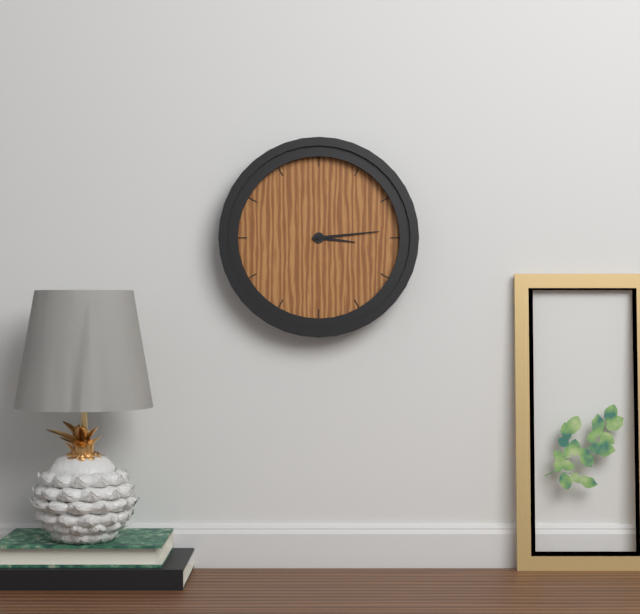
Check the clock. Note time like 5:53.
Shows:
3:14
